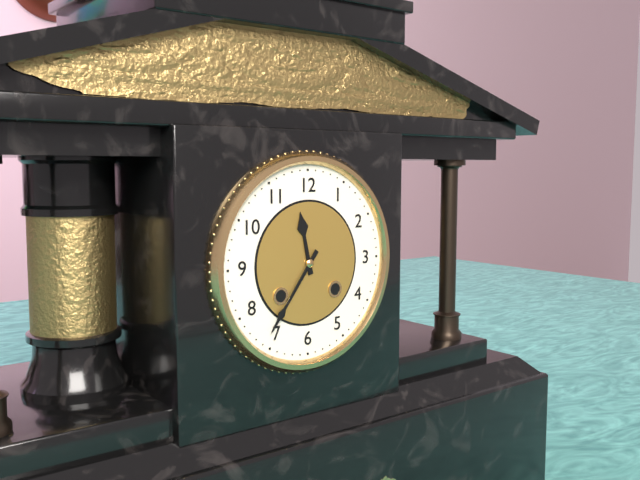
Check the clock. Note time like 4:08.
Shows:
11:36
